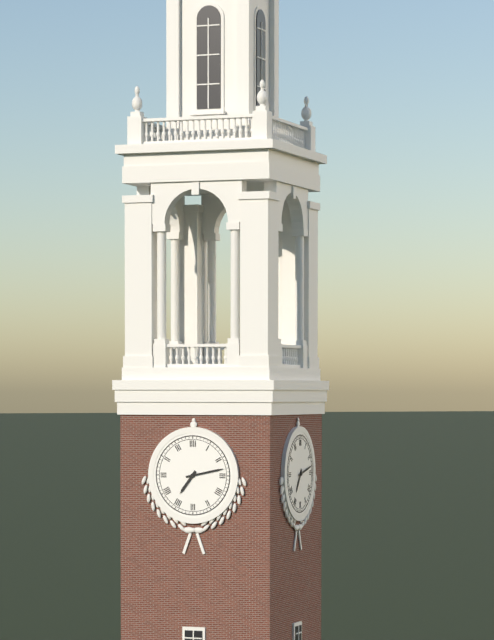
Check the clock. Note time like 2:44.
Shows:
7:13
